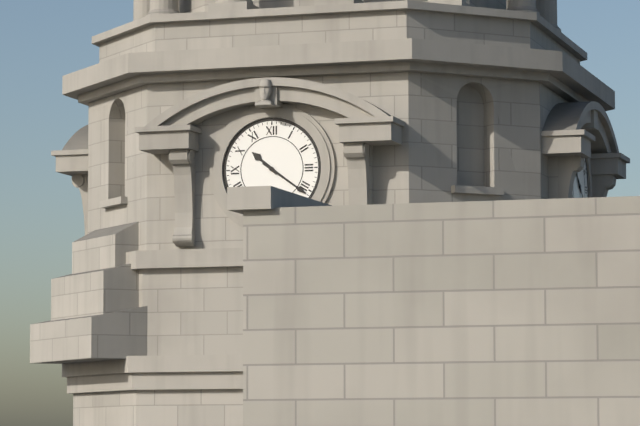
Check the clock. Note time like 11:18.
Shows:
10:21
